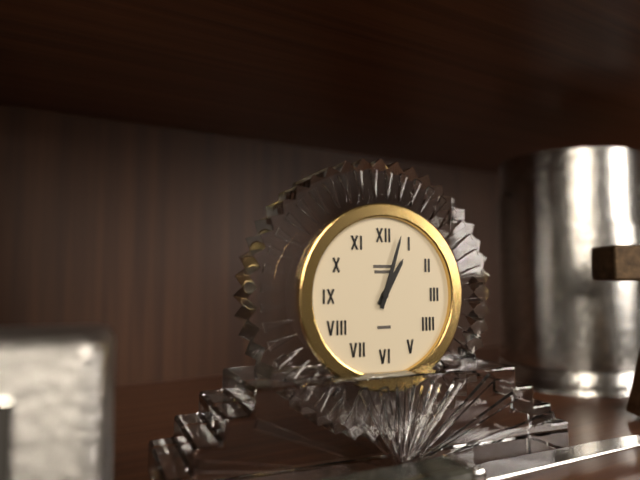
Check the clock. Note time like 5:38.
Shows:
1:03
